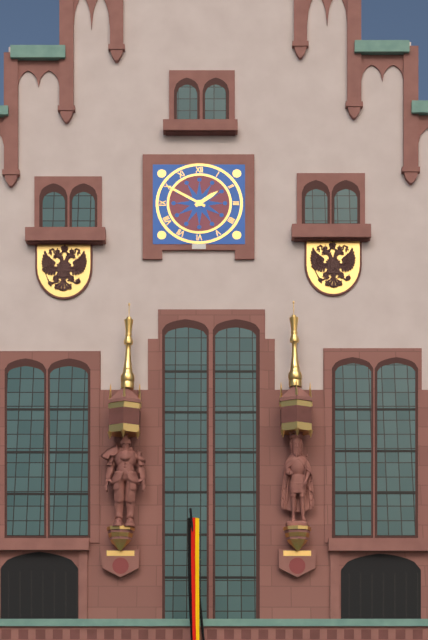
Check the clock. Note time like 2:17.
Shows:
1:50
